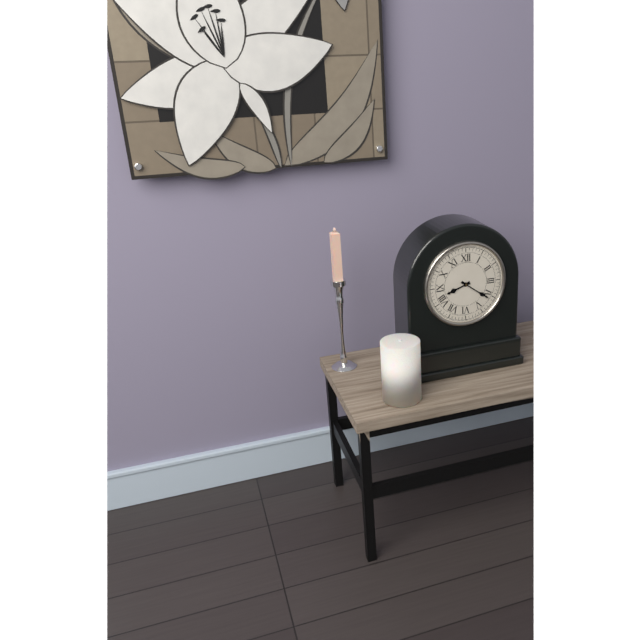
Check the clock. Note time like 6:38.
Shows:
8:21
